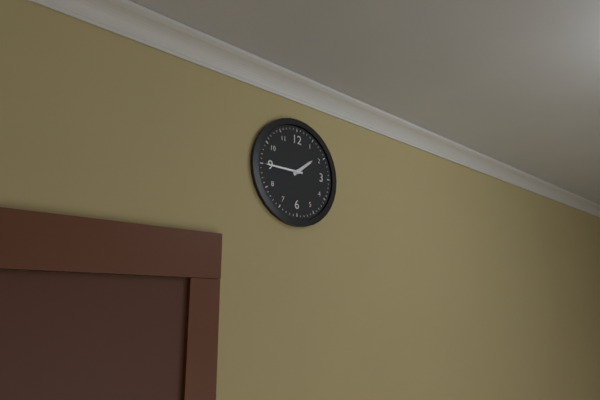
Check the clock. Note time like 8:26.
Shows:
1:45
